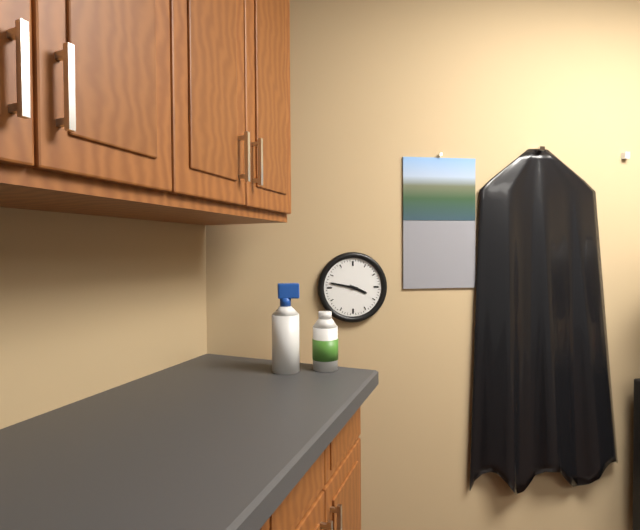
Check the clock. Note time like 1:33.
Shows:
3:47
